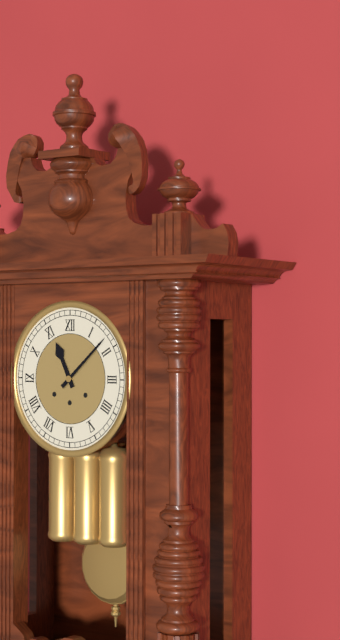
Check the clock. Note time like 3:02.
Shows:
11:08
